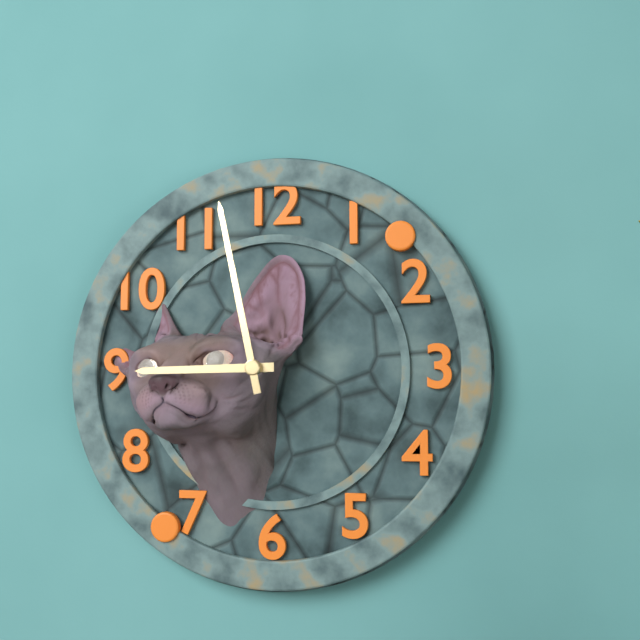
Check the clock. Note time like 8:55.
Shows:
8:58
